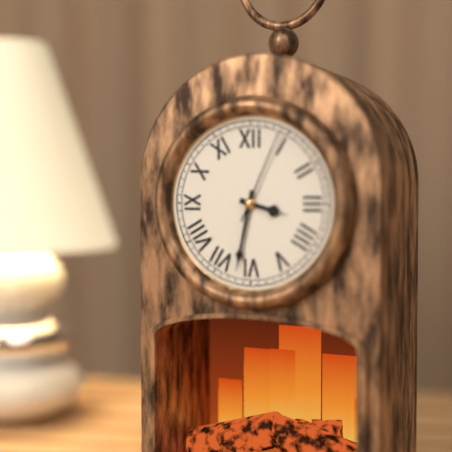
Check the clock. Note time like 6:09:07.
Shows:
3:32:04
